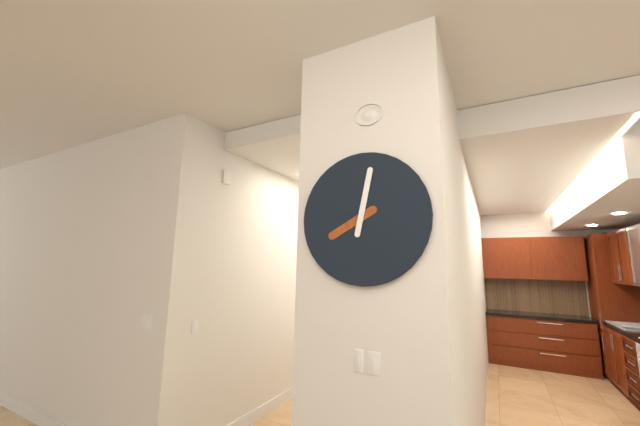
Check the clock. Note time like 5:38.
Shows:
8:02
